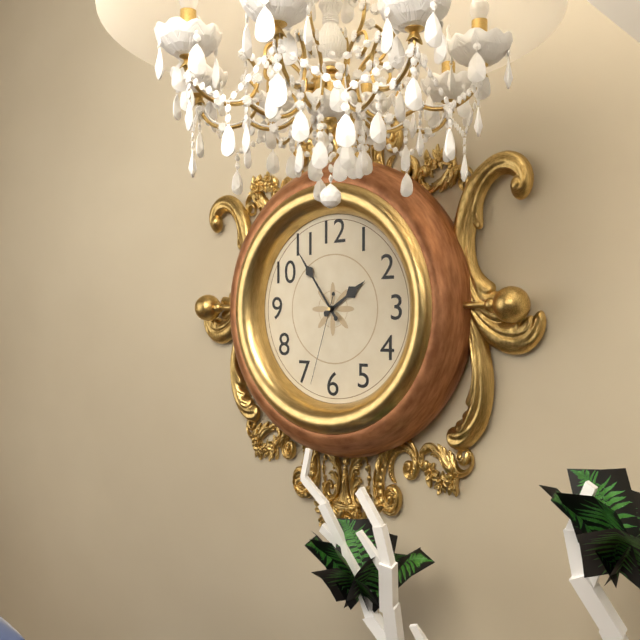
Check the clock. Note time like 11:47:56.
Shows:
1:54:33
